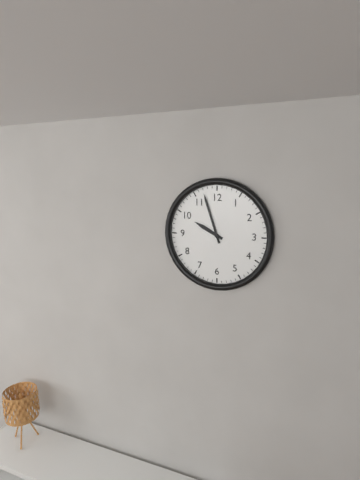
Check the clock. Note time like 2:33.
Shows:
9:57
